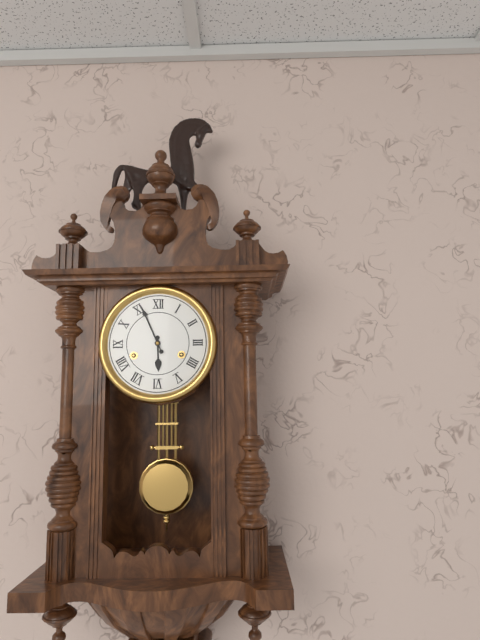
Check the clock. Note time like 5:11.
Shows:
5:56
